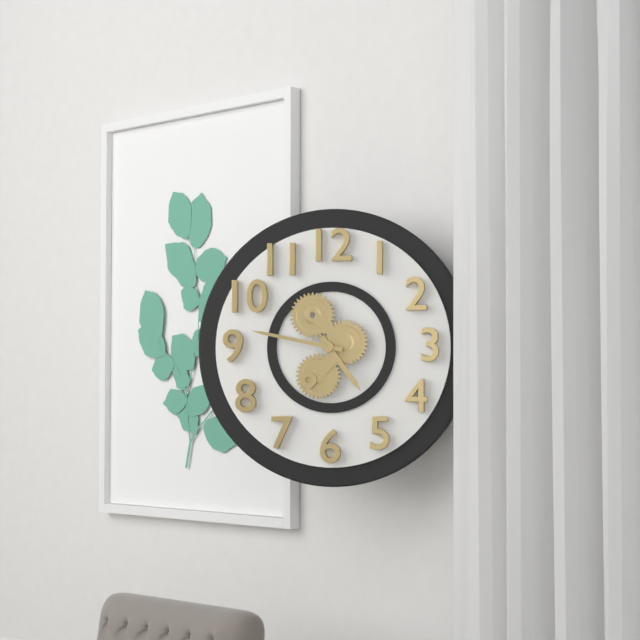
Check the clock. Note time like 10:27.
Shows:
4:47
